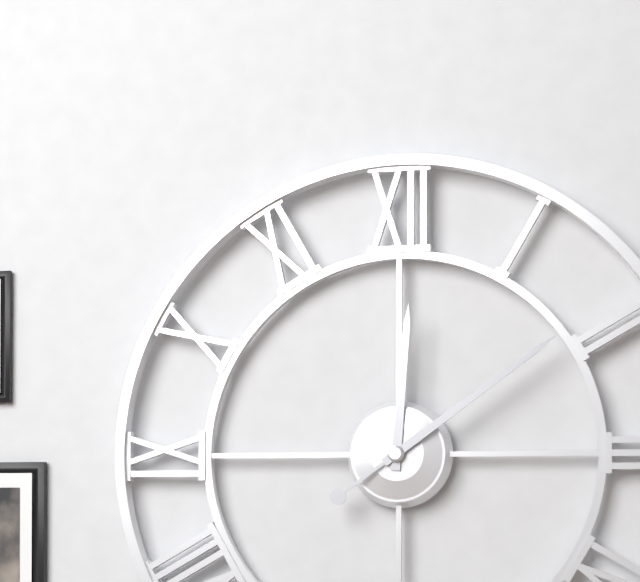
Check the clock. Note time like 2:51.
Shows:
12:09
